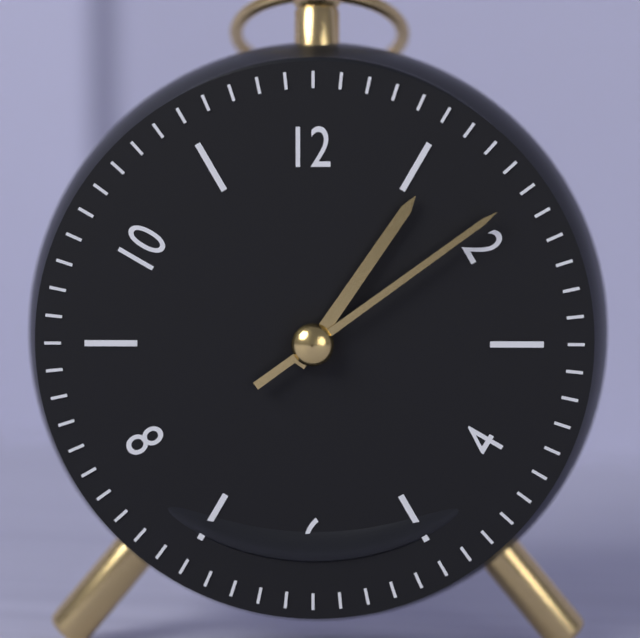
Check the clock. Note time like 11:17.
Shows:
1:09
